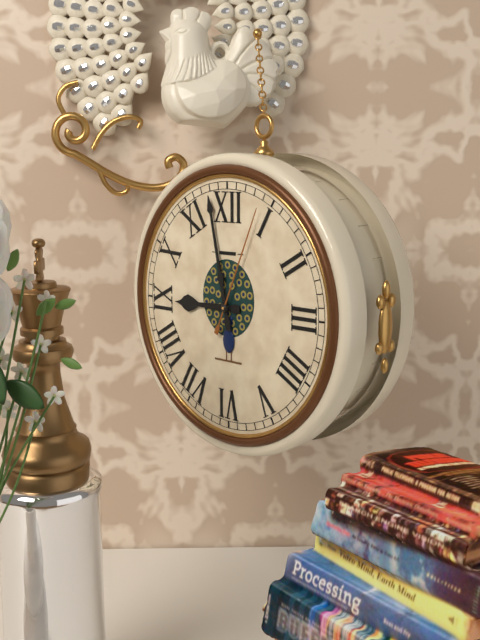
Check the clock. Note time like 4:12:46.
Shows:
8:58:04
